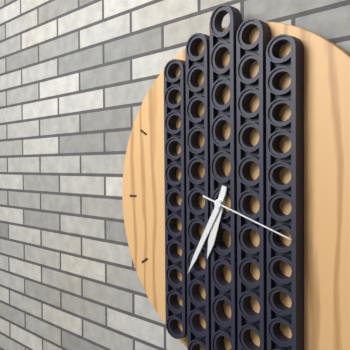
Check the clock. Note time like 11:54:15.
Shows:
6:35:18
